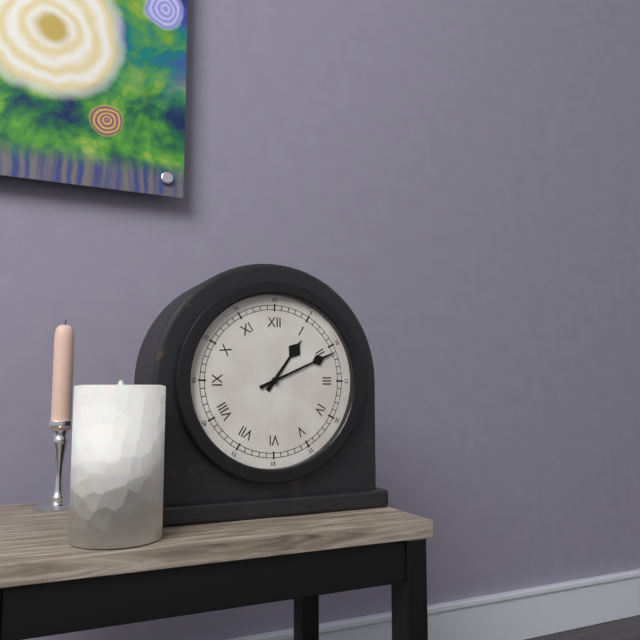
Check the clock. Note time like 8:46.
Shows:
1:11
